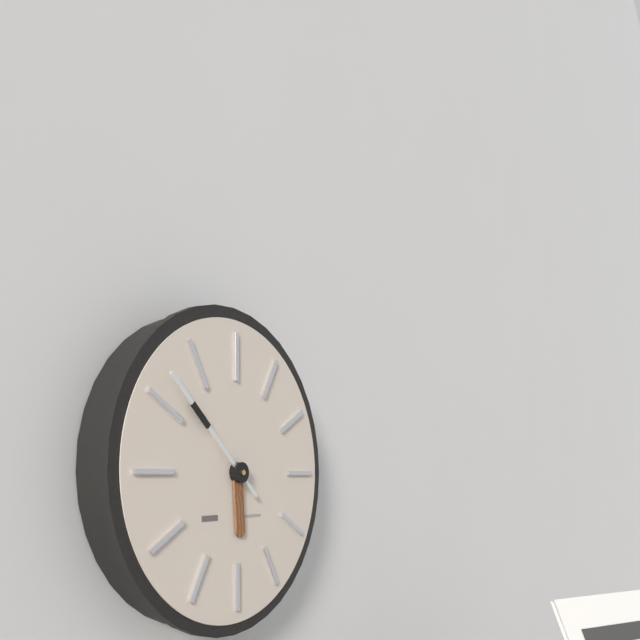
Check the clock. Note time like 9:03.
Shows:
5:52
